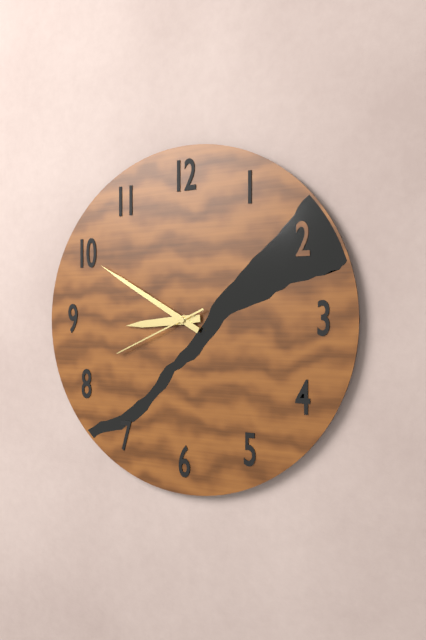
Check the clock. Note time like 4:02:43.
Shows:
8:50:41
